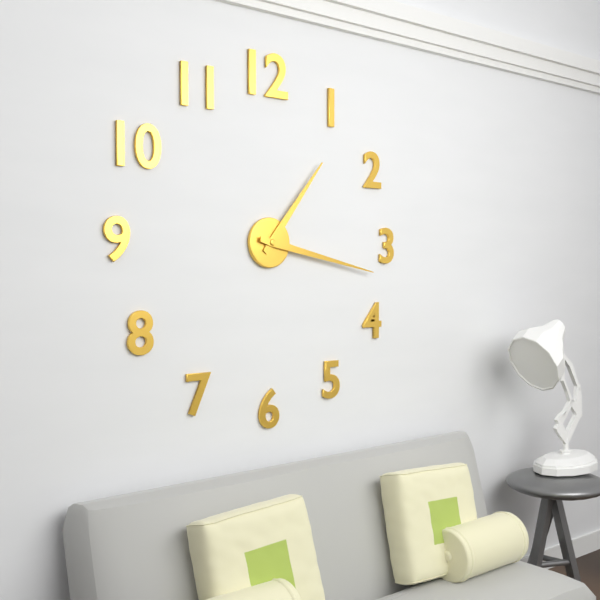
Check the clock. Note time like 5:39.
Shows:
1:17
